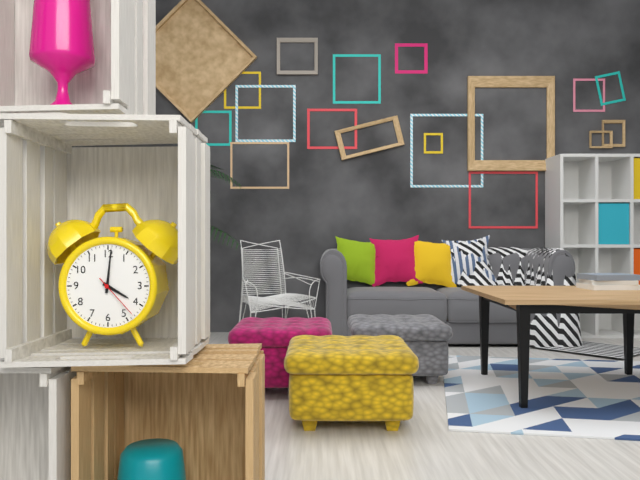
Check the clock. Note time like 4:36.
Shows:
4:01
